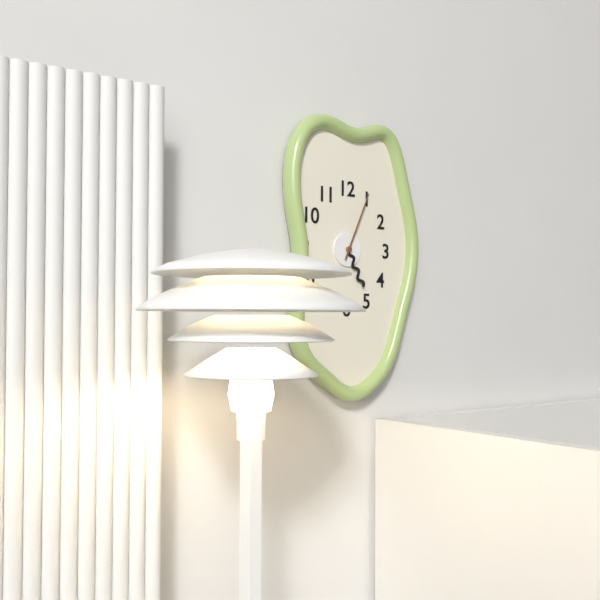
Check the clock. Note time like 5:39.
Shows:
5:04
